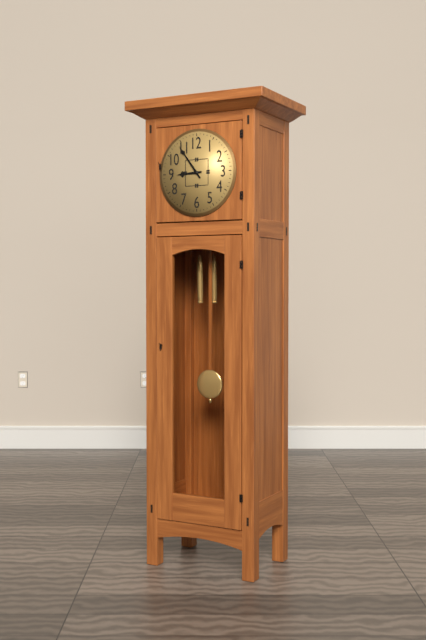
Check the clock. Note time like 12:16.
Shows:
8:54
